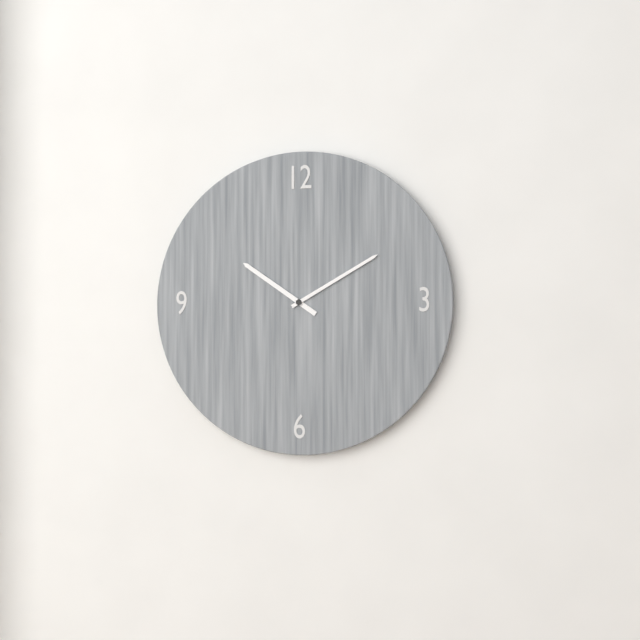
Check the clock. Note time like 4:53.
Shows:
10:10
